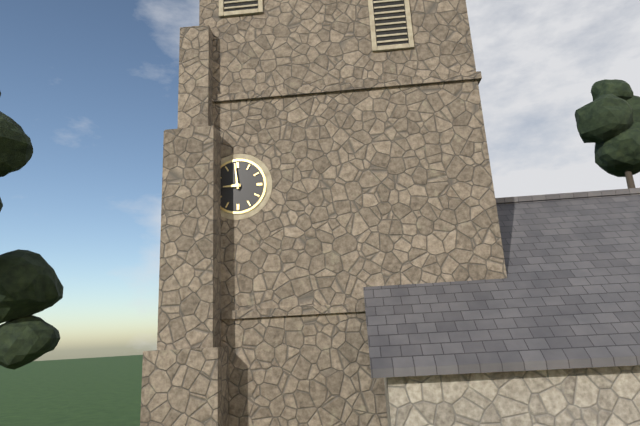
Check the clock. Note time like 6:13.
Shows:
8:59
